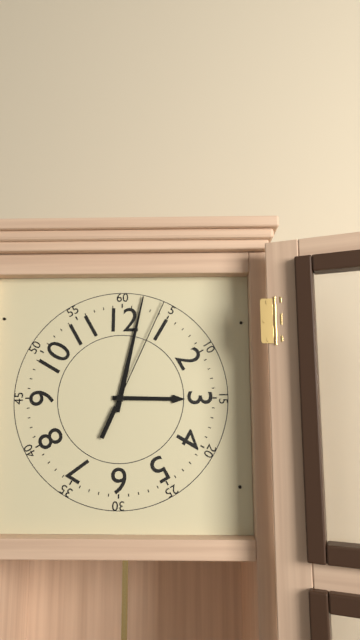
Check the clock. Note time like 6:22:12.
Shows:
3:02:04
